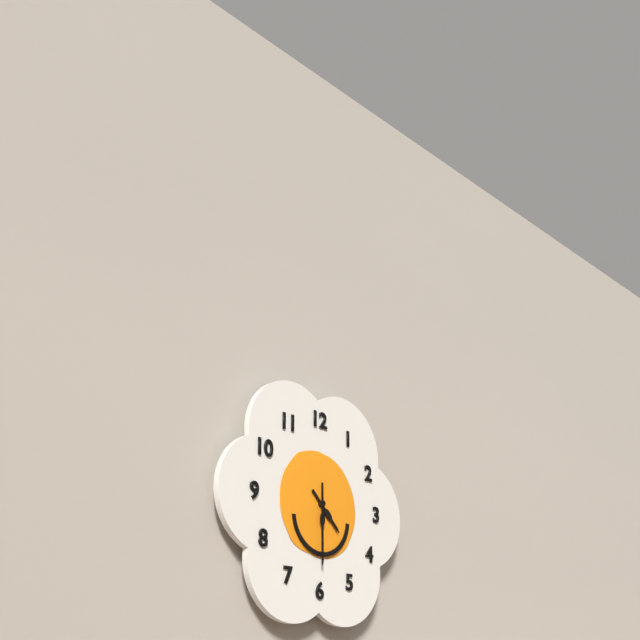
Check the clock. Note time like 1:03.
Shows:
4:30
